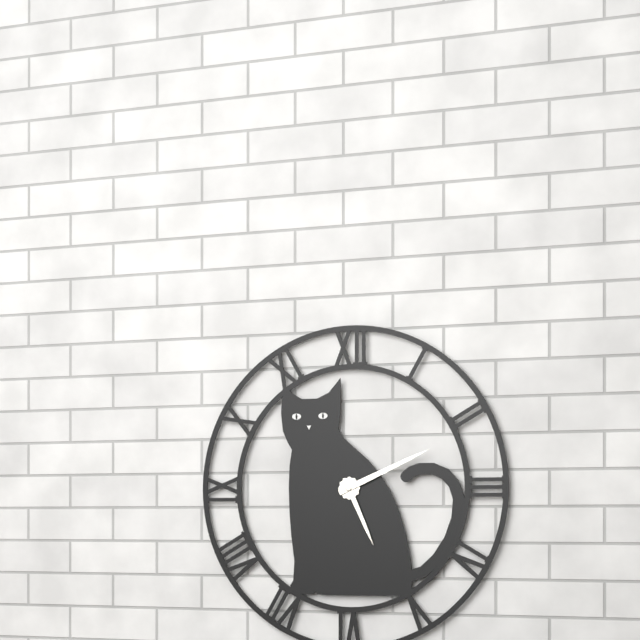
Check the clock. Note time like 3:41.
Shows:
5:11
